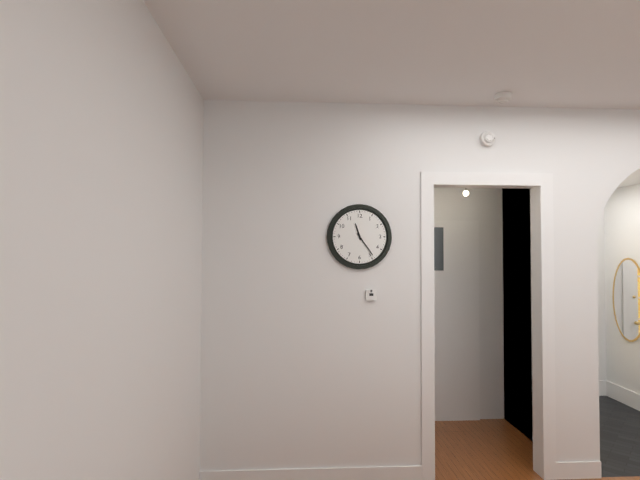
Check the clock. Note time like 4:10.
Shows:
11:24
